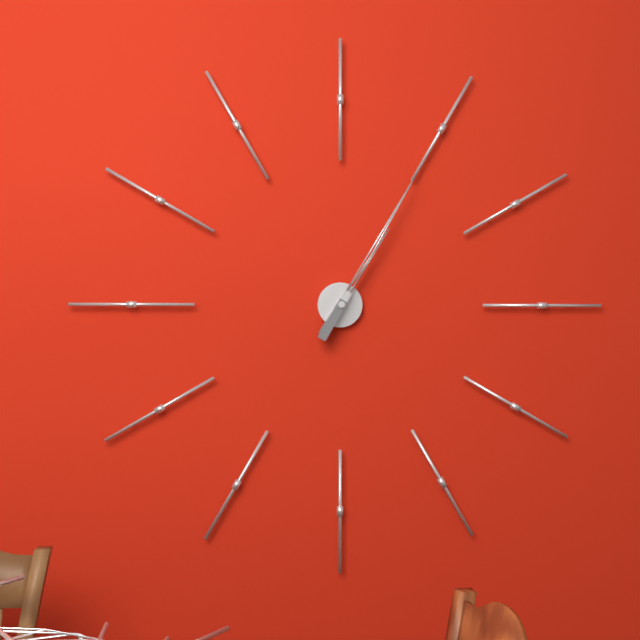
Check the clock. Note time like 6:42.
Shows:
1:05
